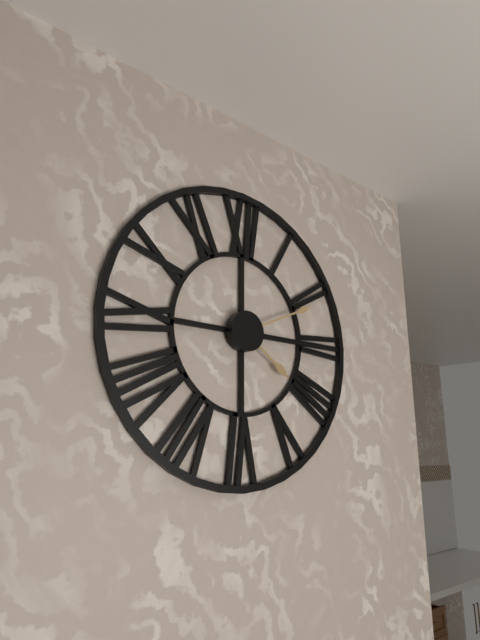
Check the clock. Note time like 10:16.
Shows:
4:11
